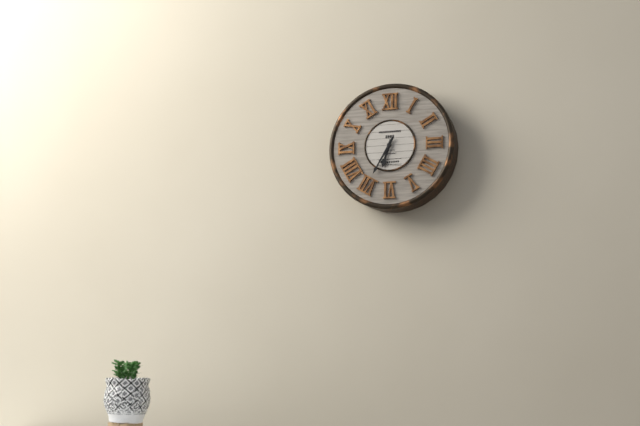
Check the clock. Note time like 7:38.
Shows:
6:35
